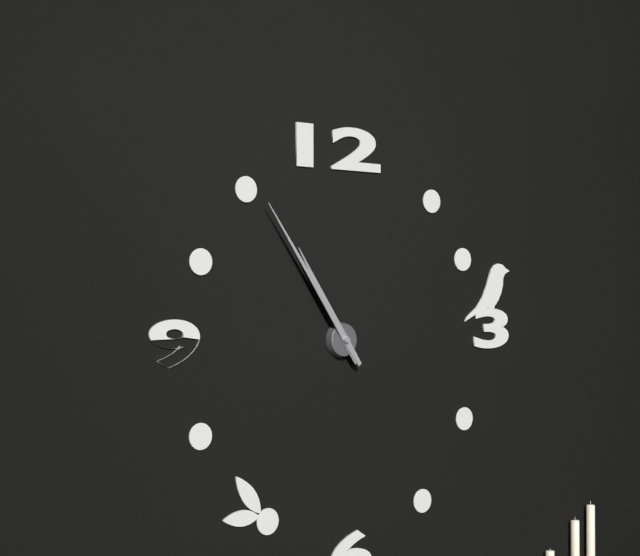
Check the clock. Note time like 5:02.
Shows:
10:54
